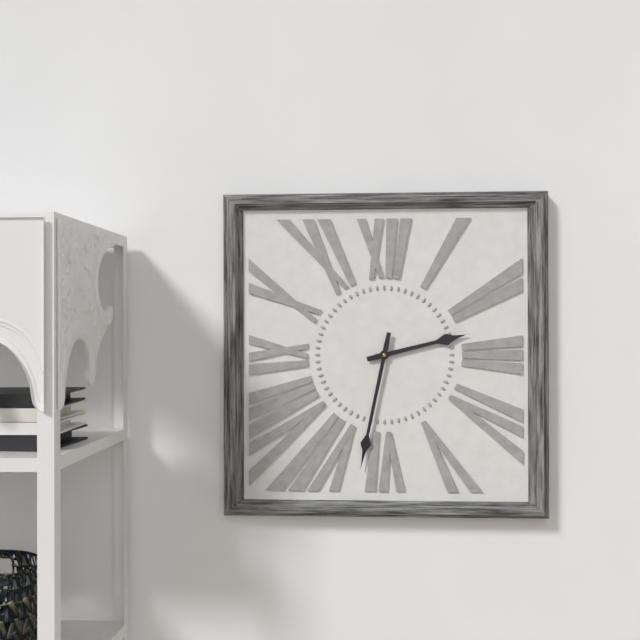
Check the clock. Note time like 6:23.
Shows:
2:32
